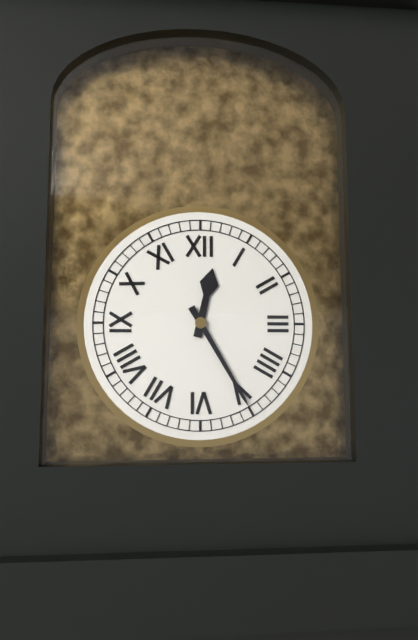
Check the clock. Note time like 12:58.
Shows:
12:25
